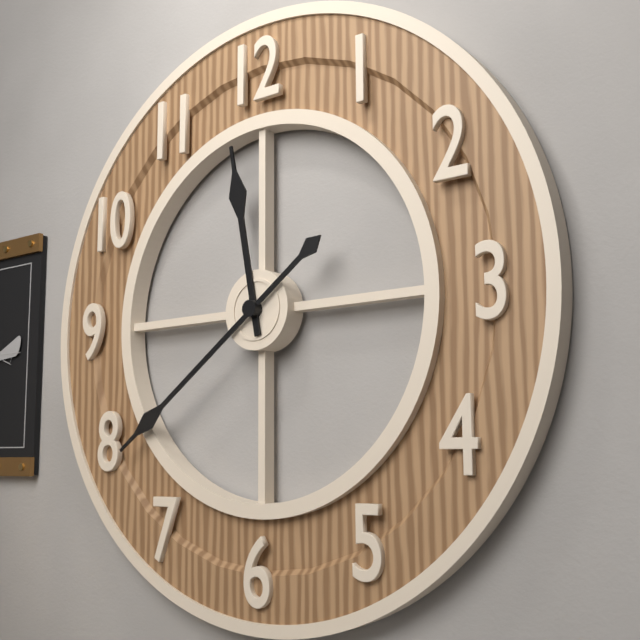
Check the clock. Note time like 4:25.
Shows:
11:39
